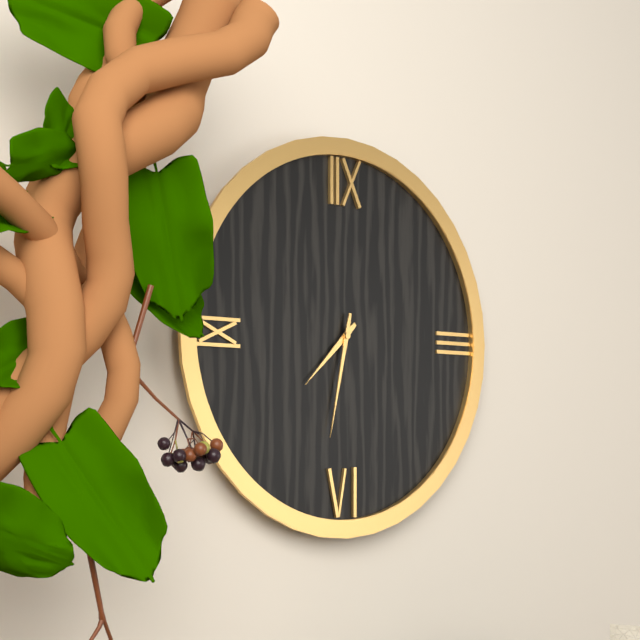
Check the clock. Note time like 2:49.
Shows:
7:32
